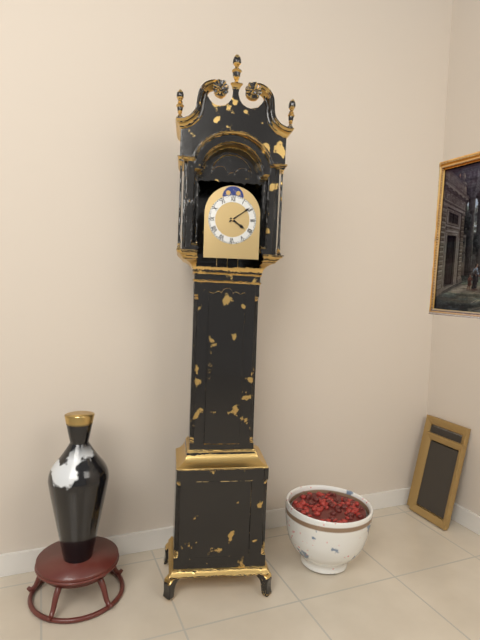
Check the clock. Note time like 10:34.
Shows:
4:09
